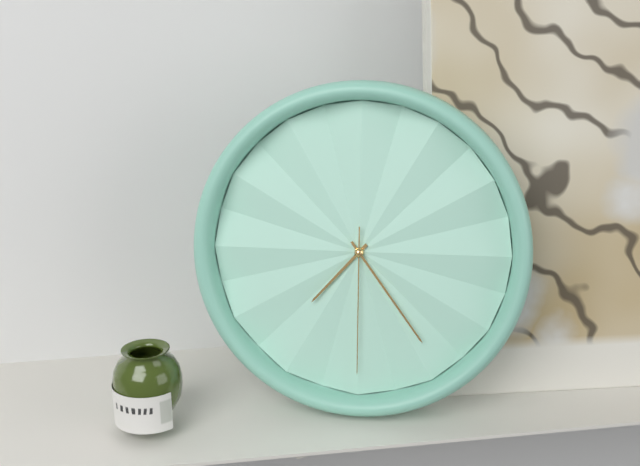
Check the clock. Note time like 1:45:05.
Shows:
7:24:30
